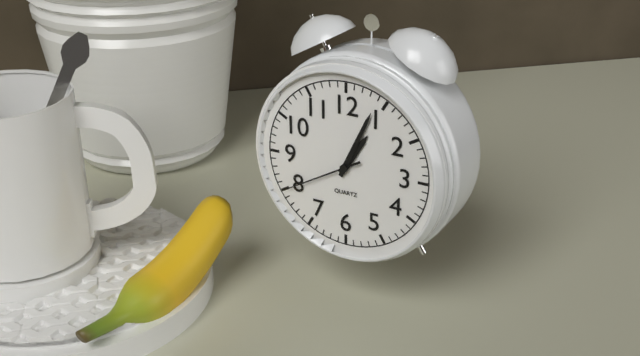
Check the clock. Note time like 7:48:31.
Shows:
1:04:40
